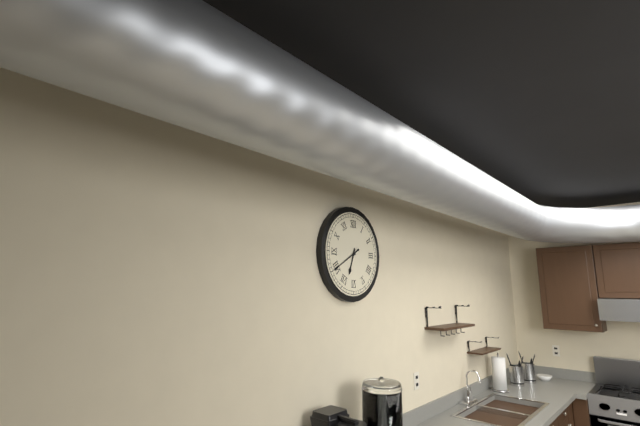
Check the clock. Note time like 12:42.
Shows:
6:40
